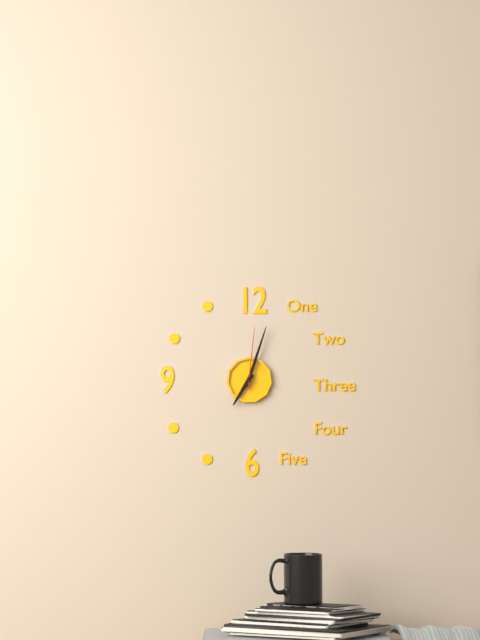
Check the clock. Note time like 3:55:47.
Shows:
7:03:01
